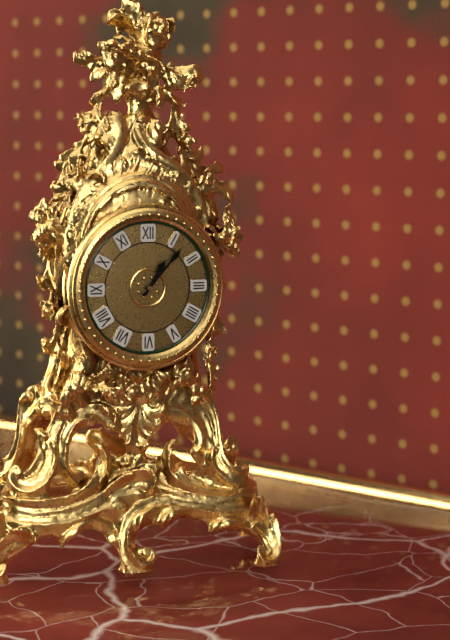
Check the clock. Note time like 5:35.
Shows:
1:07
